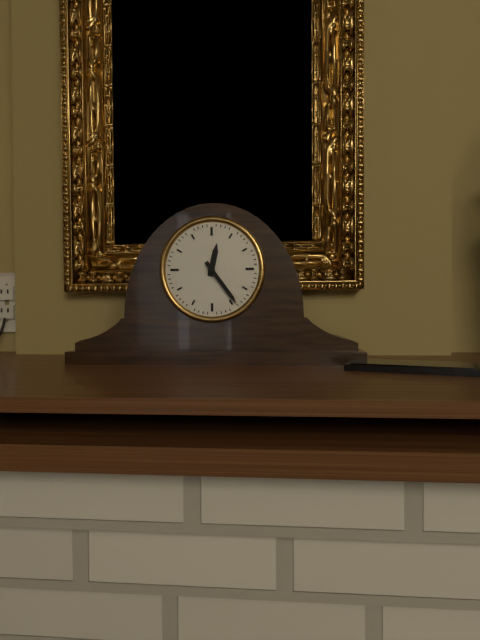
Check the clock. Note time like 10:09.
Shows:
12:24
